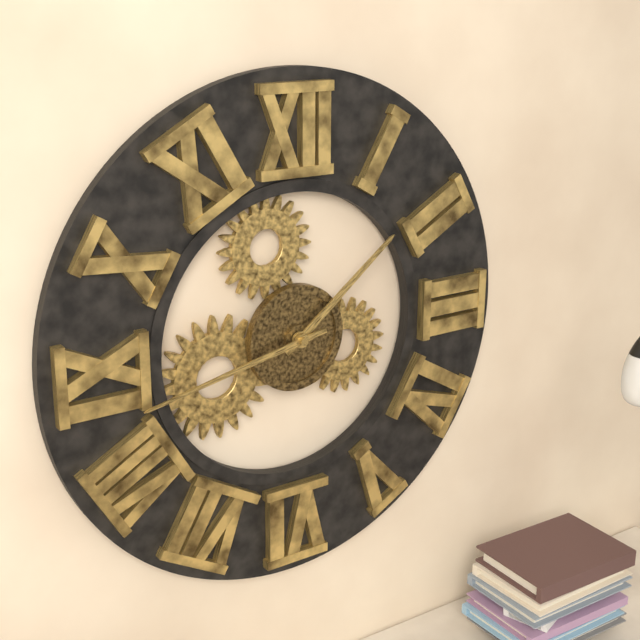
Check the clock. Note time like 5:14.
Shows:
1:43
